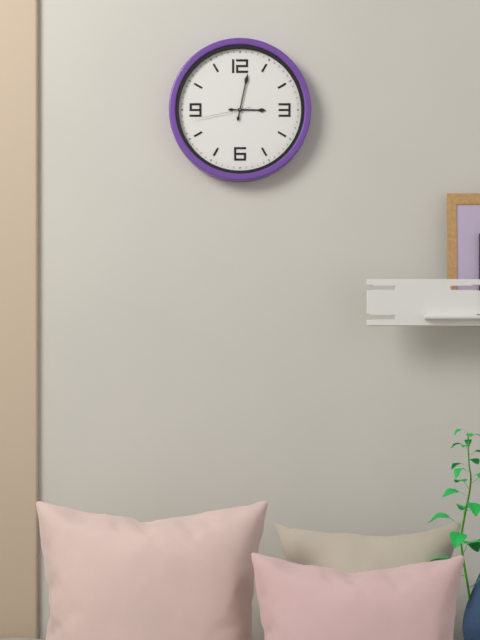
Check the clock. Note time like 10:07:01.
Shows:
3:02:43
